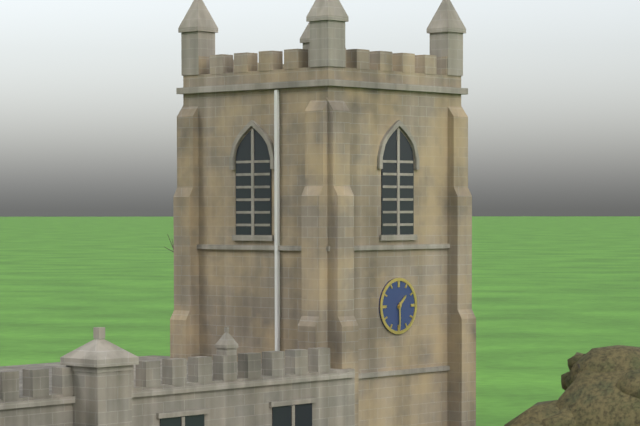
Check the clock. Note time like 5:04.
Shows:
1:30
